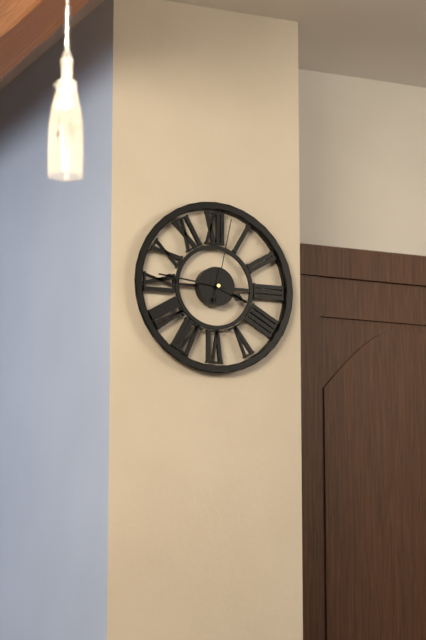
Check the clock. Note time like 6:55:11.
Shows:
3:46:02
